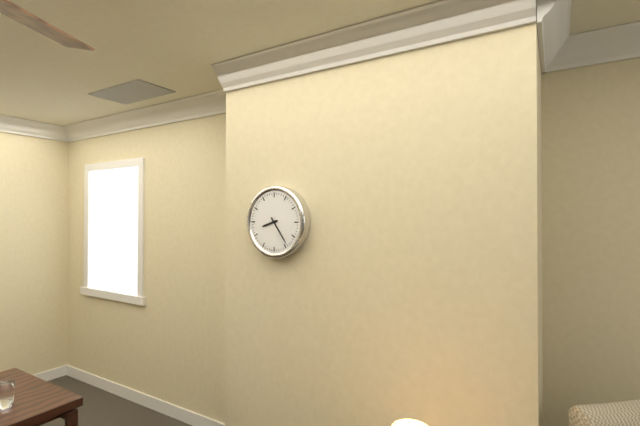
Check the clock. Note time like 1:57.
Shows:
8:24
